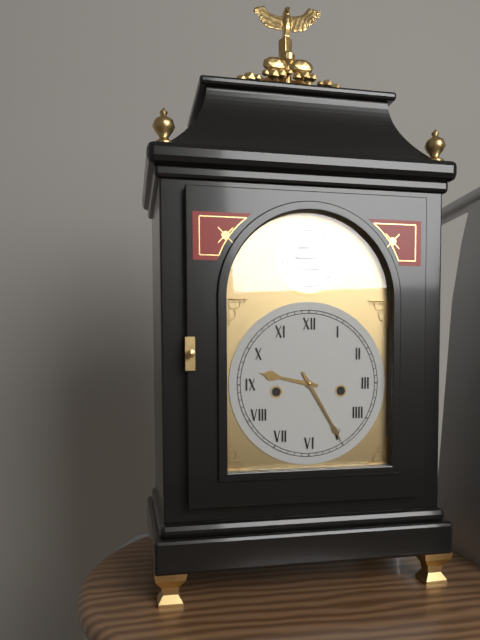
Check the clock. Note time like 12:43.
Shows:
9:25
